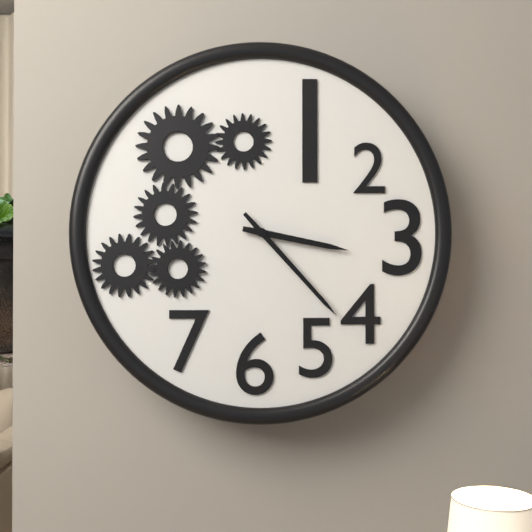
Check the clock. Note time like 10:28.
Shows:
3:23
